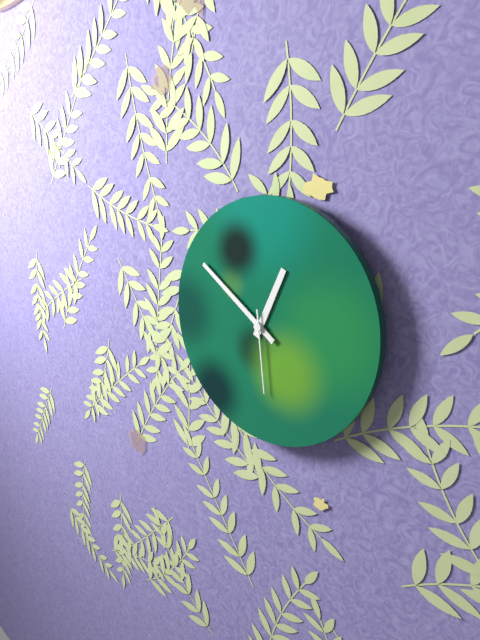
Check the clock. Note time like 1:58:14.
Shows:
12:51:29
